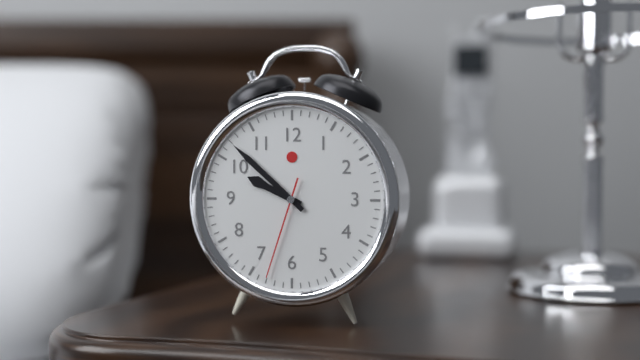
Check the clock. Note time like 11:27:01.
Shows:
9:52:33
